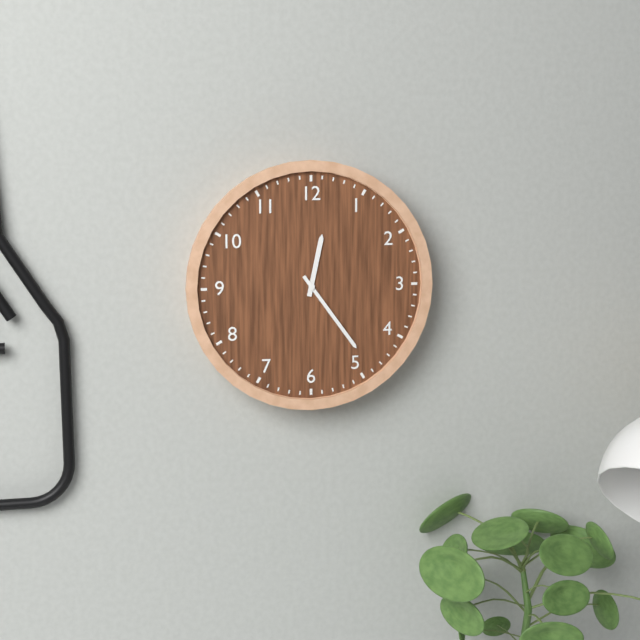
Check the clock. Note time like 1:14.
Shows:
12:24
